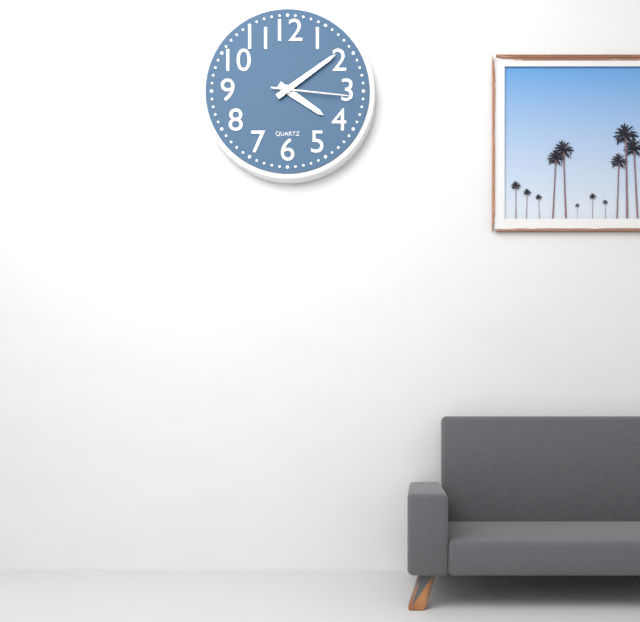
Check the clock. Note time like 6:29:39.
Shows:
4:09:16
